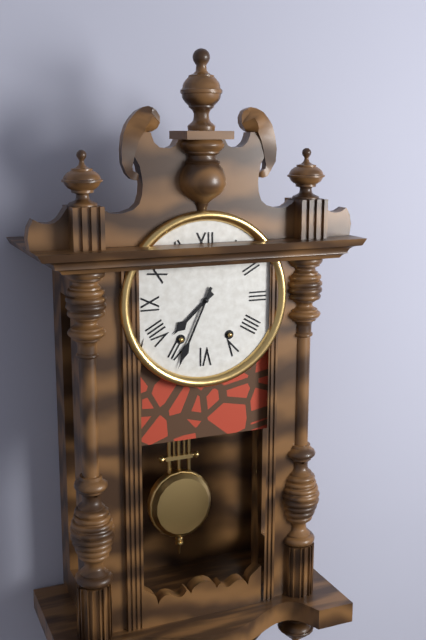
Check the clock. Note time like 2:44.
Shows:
7:34
